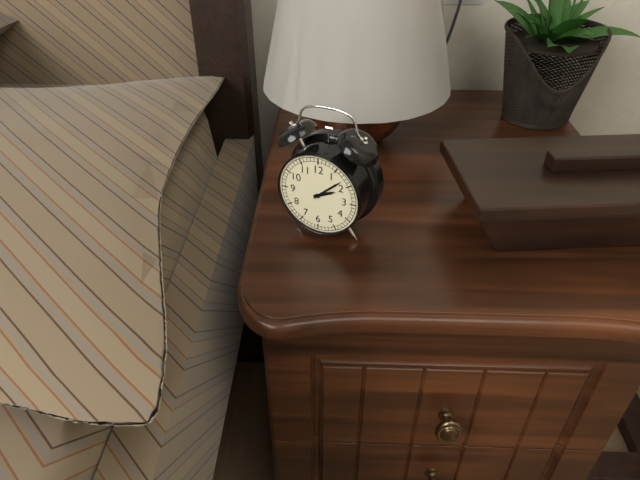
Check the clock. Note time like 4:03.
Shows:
2:08
